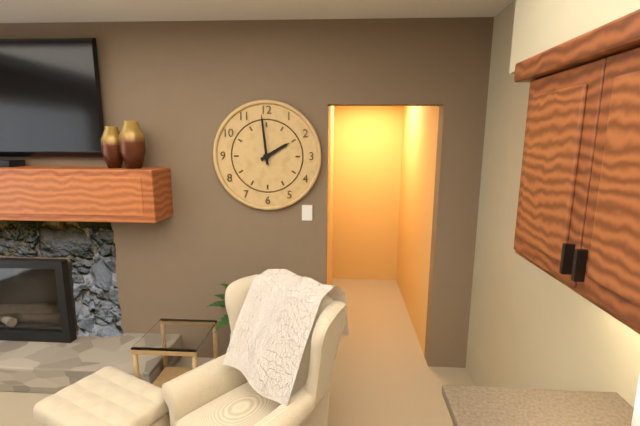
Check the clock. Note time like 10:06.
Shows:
1:59
